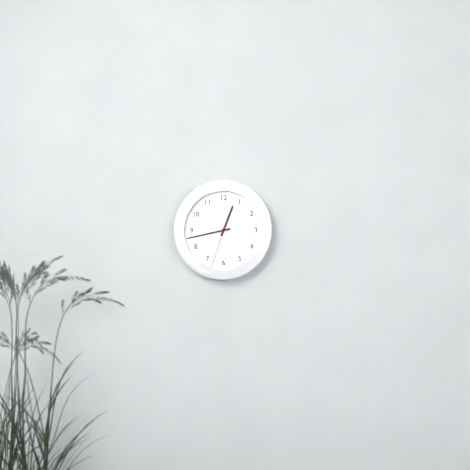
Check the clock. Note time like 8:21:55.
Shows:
12:43:33
